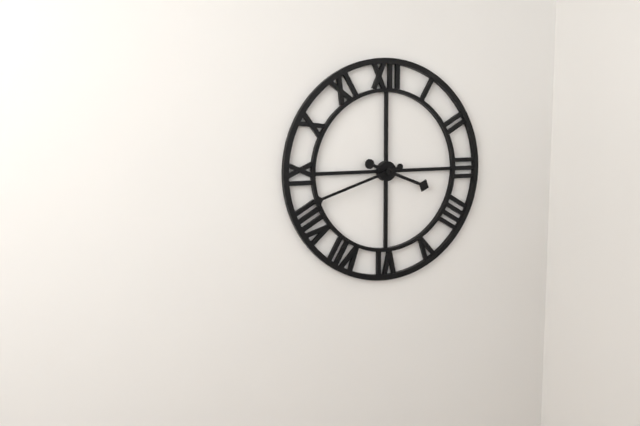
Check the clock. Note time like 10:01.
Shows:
3:42
